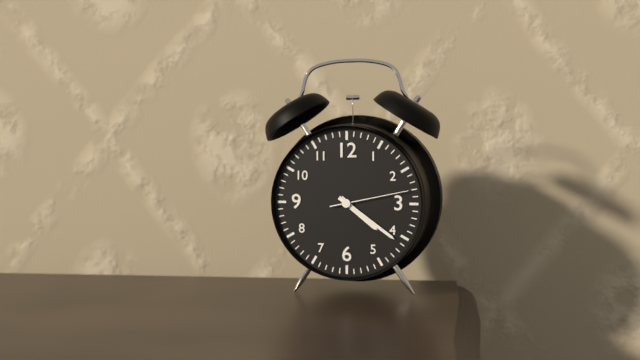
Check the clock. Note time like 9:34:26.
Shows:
4:21:13
